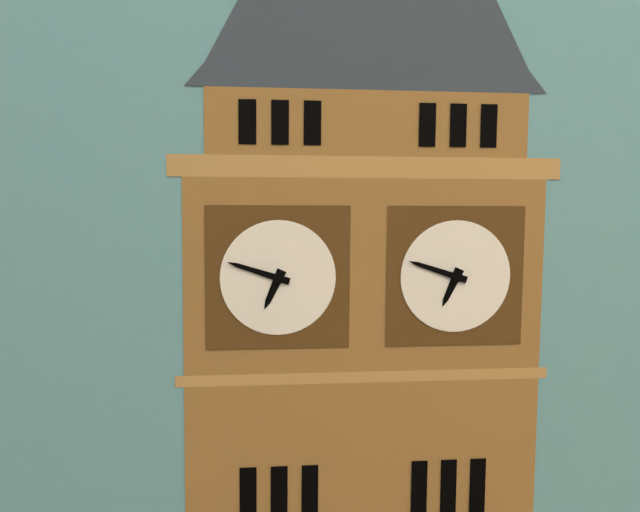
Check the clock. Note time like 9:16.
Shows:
6:48
